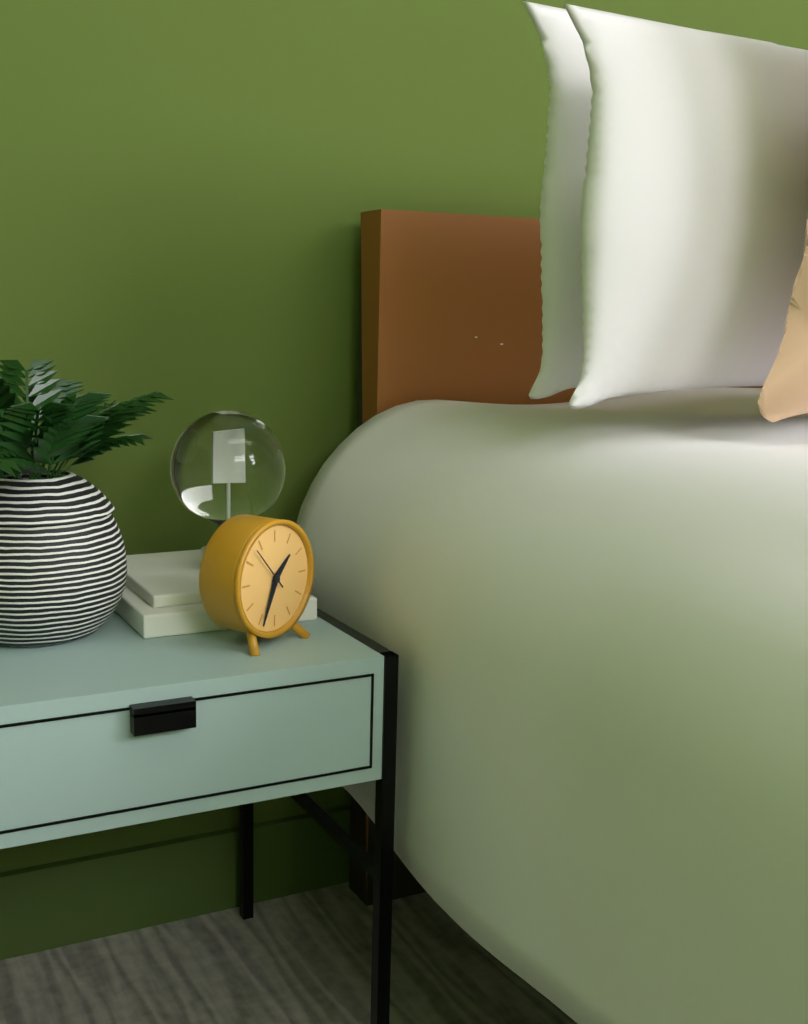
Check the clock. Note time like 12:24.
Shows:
1:34
